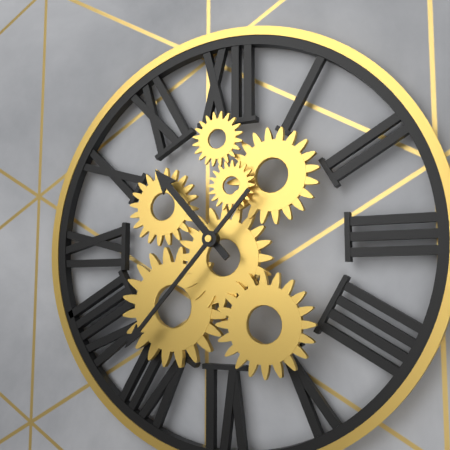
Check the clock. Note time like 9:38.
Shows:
10:37
